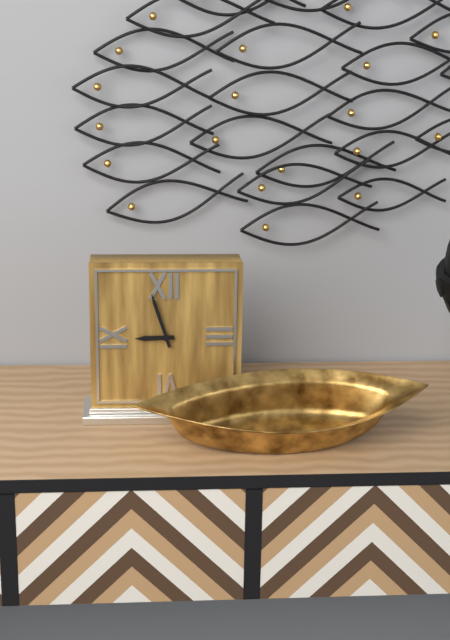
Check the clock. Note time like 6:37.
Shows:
8:57
